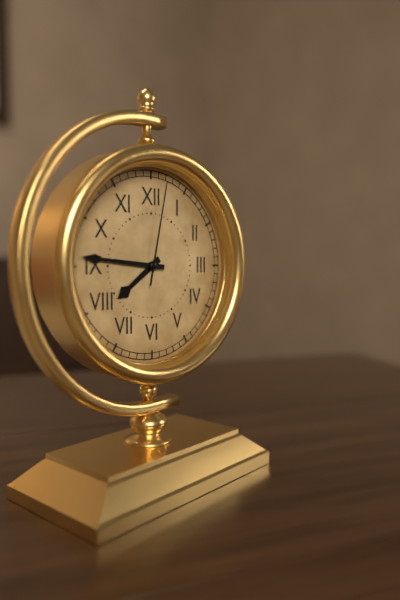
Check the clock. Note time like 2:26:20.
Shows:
7:46:02
